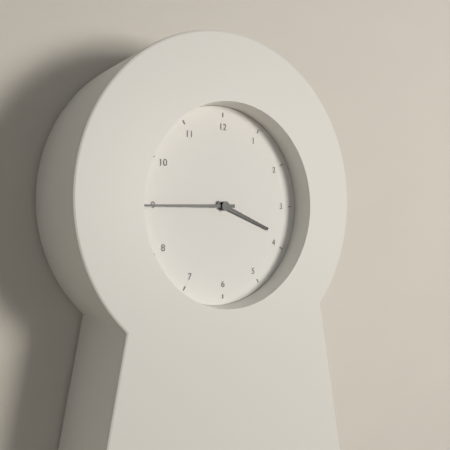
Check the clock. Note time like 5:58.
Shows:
3:45
